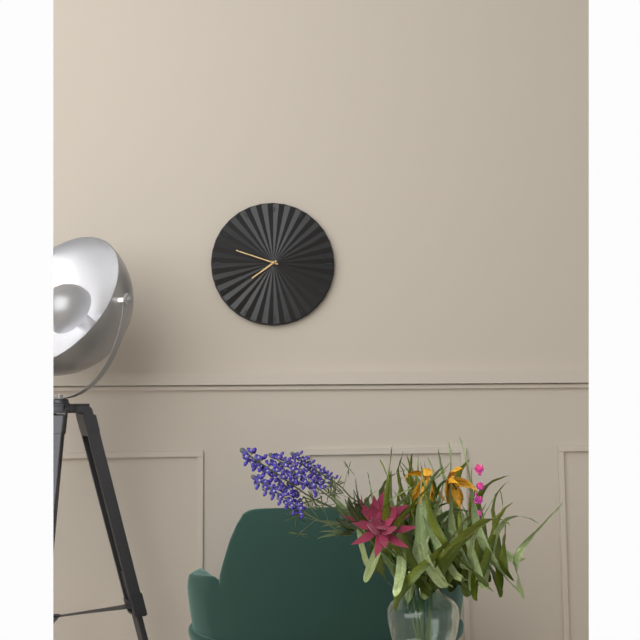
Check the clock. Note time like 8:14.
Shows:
7:48
